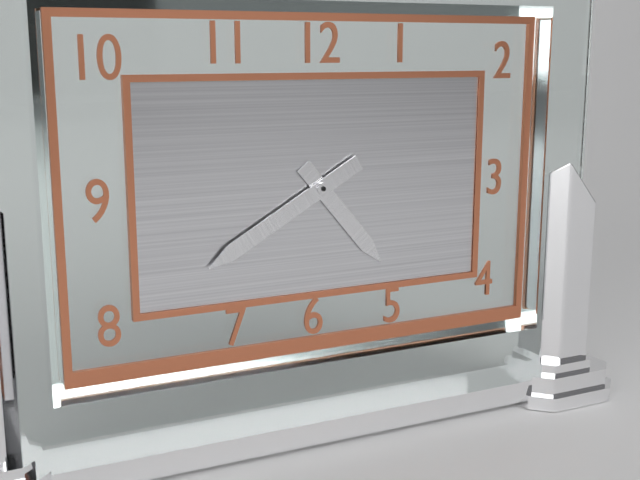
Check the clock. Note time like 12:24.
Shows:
4:40
